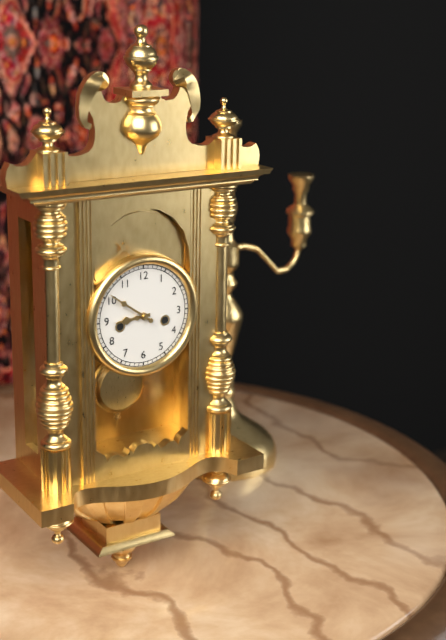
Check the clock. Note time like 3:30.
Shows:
8:51
